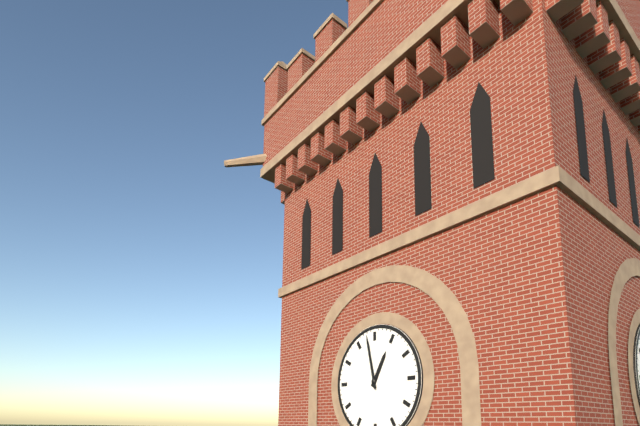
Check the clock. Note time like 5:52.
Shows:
12:58
